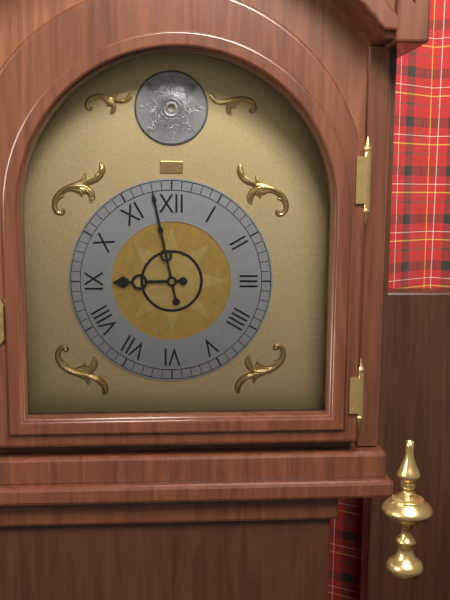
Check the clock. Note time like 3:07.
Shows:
8:58
